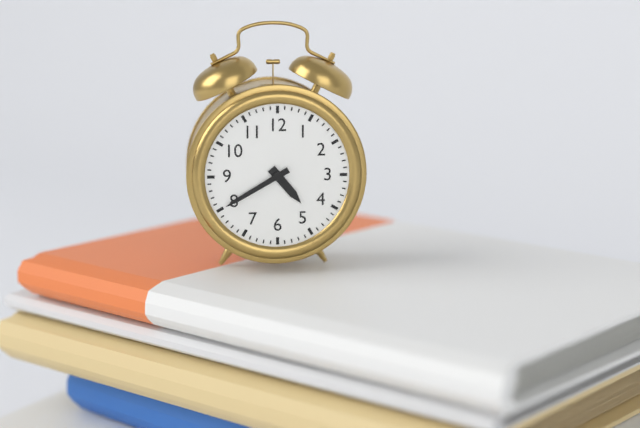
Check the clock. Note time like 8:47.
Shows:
4:40
